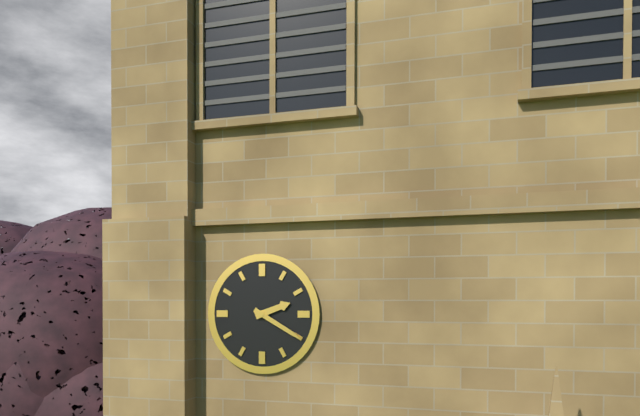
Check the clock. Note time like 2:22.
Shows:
2:20
